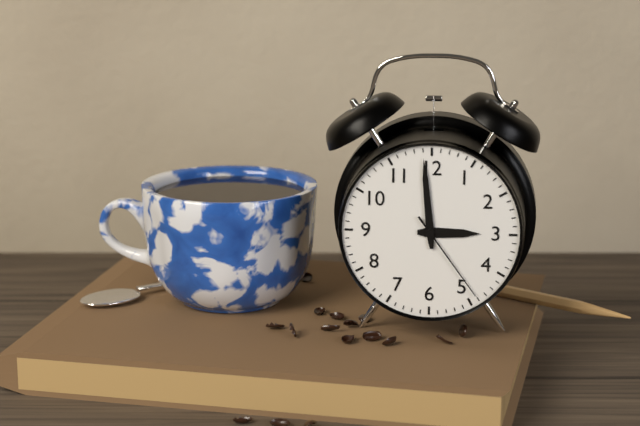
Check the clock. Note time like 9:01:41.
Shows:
2:59:24
